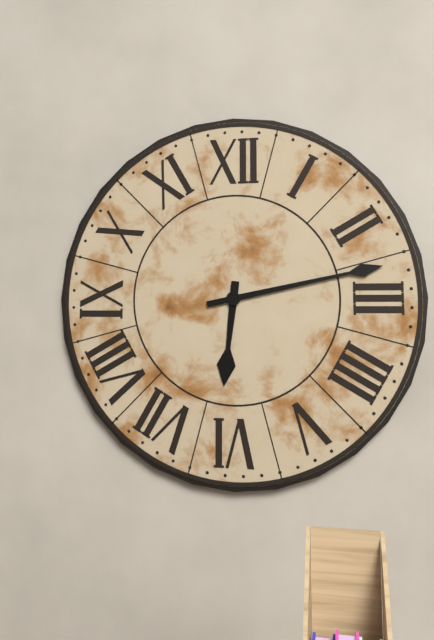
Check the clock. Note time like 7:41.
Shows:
6:13
